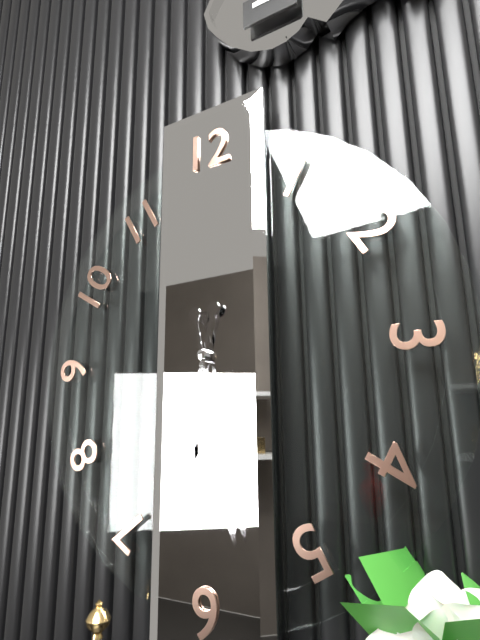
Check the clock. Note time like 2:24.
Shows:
6:28
